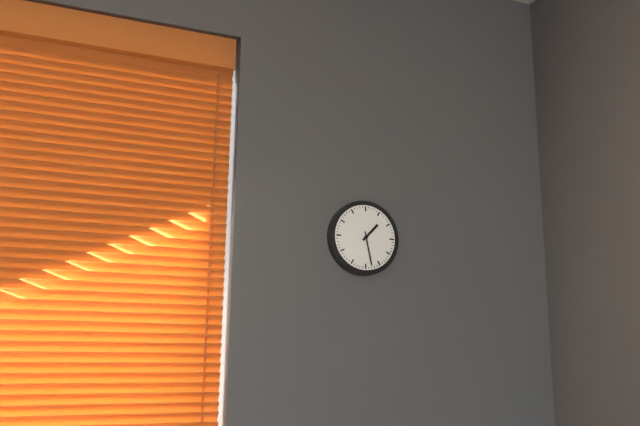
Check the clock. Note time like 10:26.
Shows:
1:28
